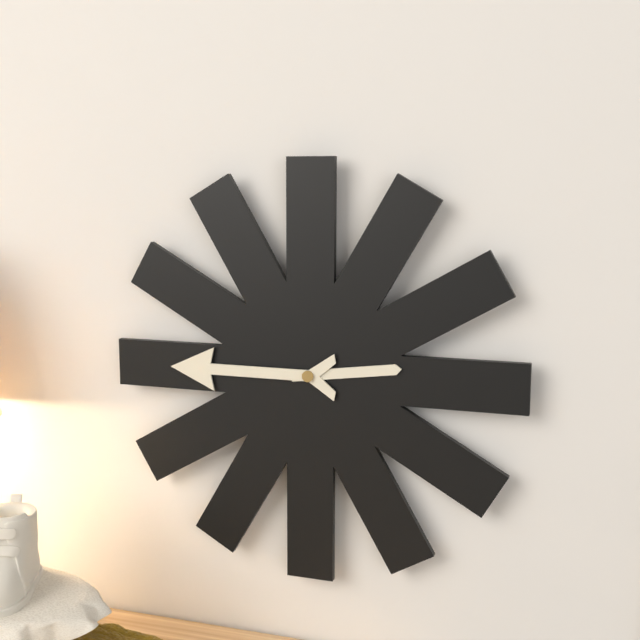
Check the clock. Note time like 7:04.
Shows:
2:45
